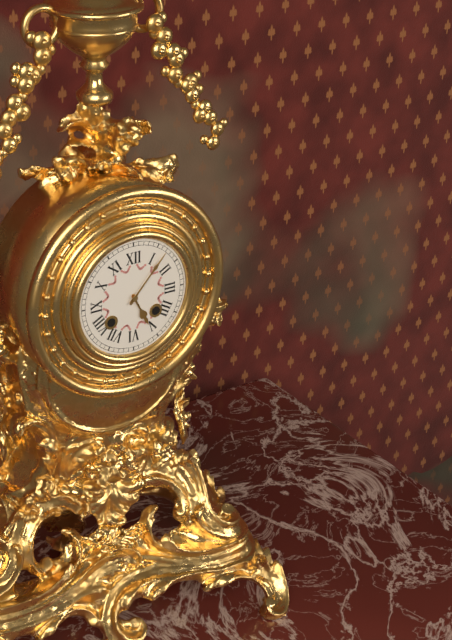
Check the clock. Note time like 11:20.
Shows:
5:07
